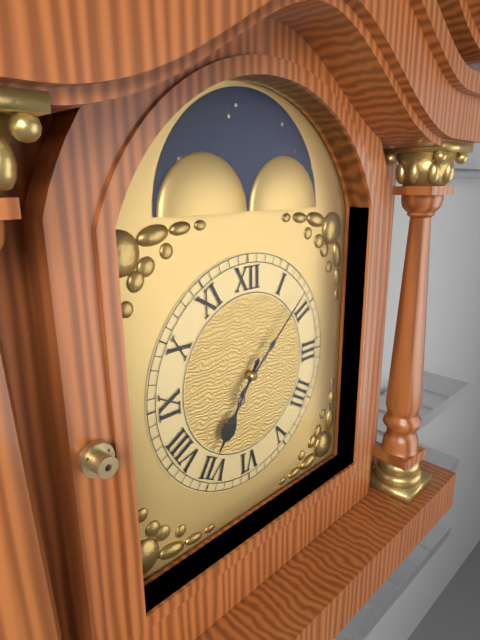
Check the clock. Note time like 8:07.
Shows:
7:08
